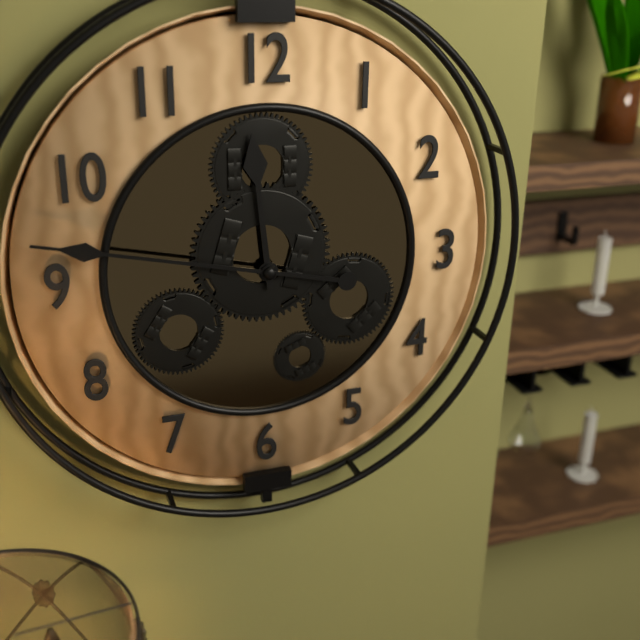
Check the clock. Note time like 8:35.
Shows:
11:47
